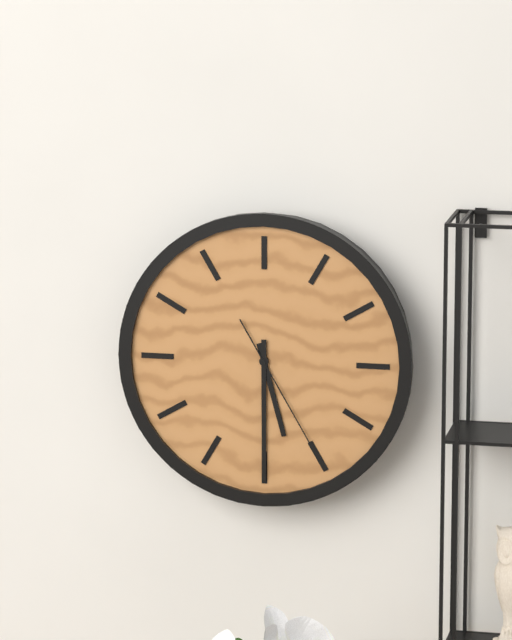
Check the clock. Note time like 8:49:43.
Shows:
5:30:25
